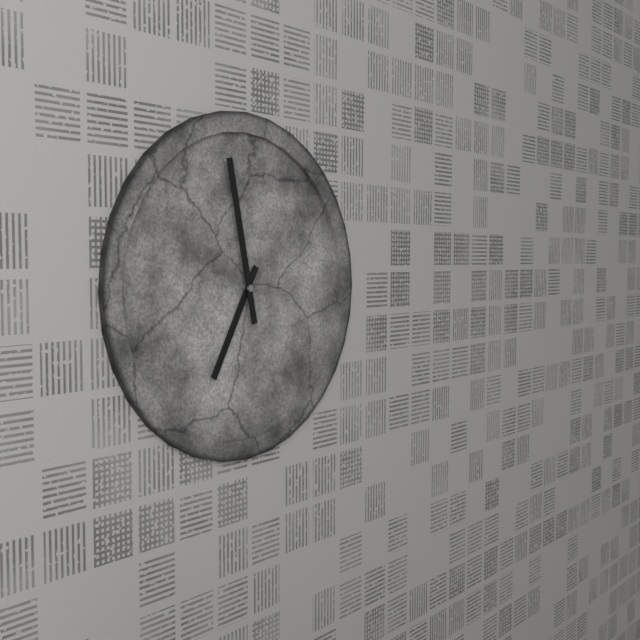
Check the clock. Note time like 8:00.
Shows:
6:58
